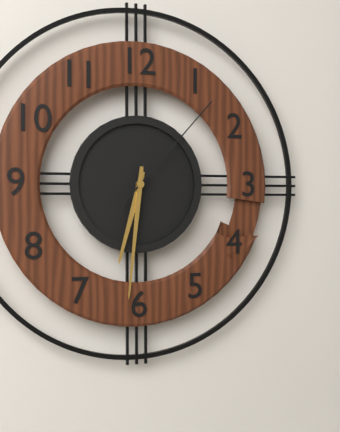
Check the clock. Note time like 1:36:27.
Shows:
6:31:07
